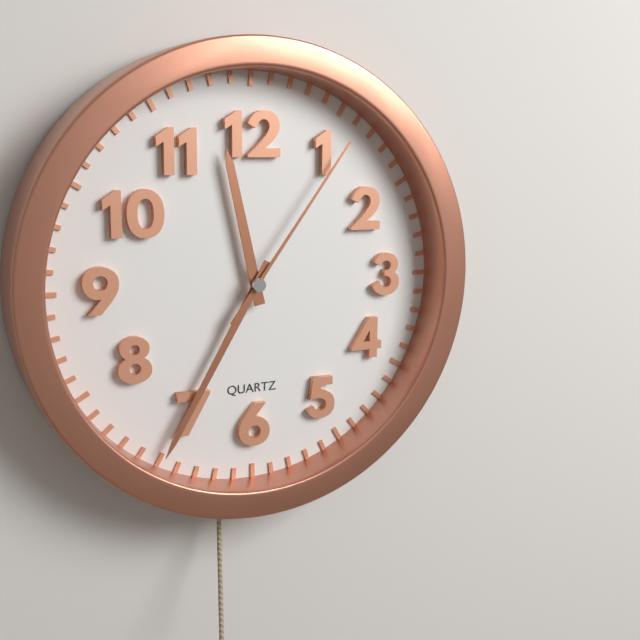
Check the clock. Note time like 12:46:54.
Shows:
11:35:06
